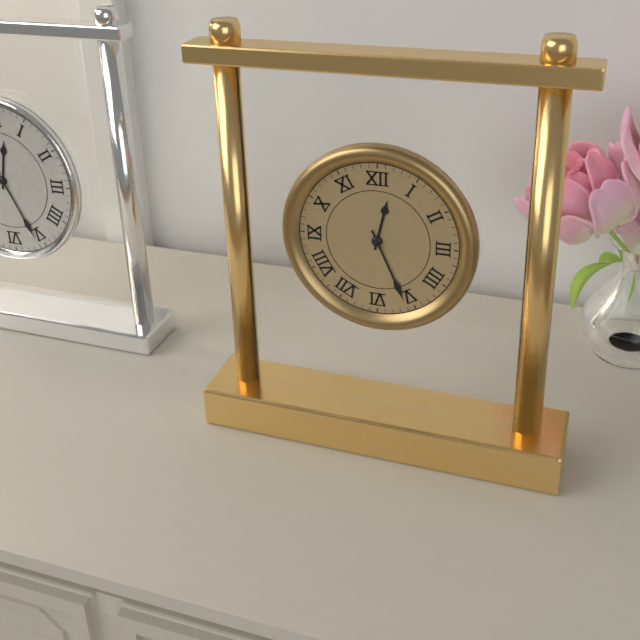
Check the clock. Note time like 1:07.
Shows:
12:26
